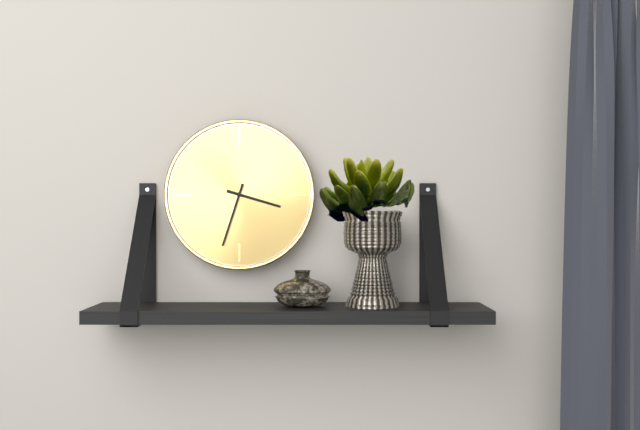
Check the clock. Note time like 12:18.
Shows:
3:33
